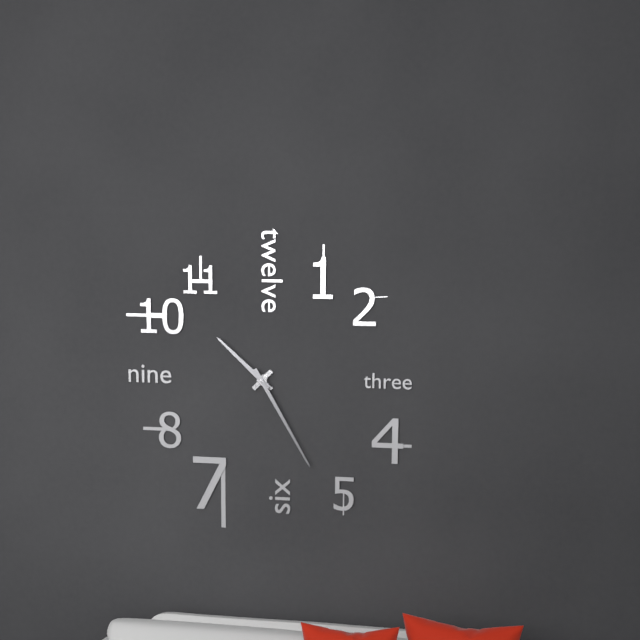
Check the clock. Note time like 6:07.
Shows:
10:25
